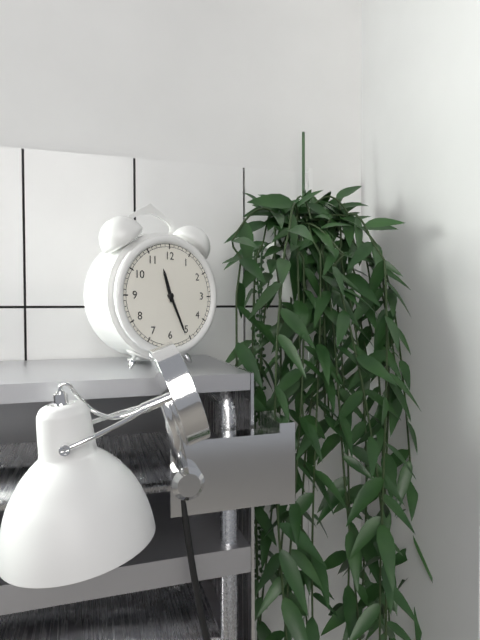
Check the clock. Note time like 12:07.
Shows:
11:26
